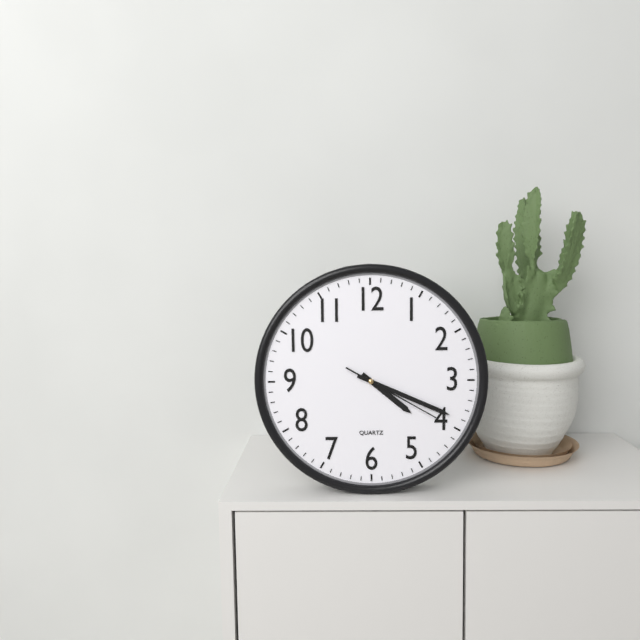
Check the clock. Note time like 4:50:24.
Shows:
4:19:20
